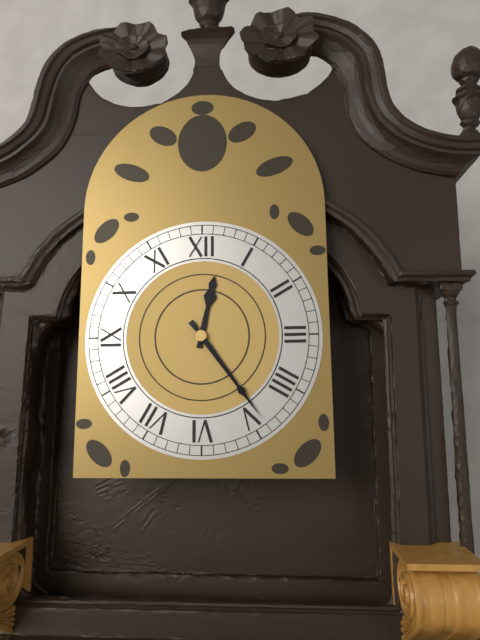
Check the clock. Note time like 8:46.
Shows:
12:24
